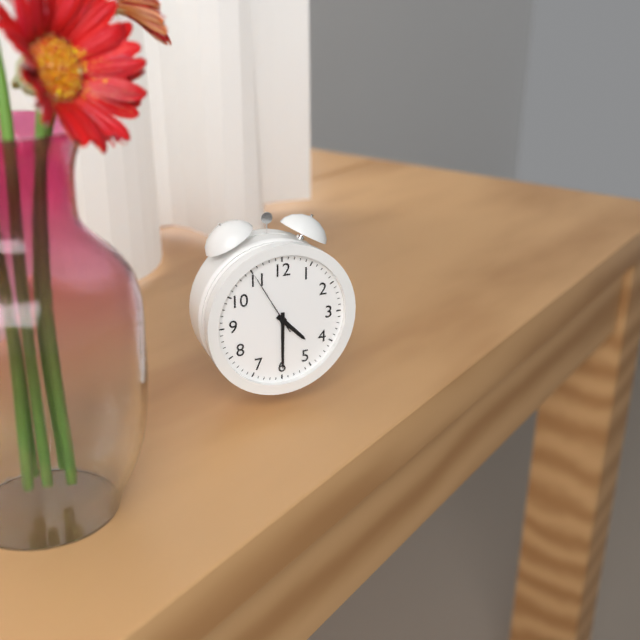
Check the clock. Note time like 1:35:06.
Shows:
4:30:55
